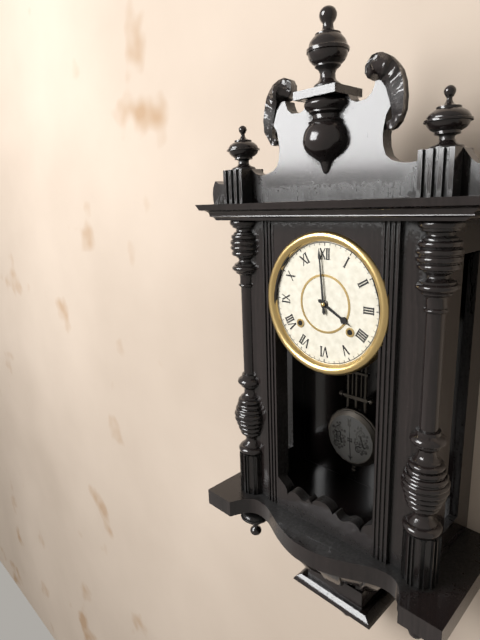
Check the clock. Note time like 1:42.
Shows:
3:59
